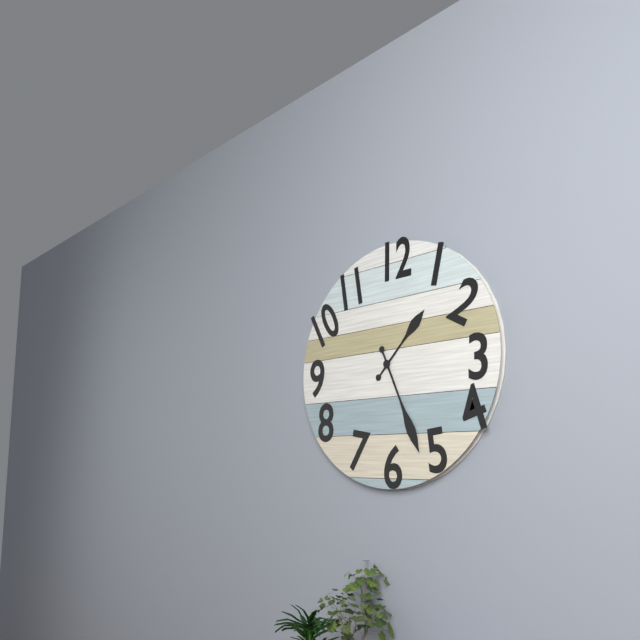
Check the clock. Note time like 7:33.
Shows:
1:26
